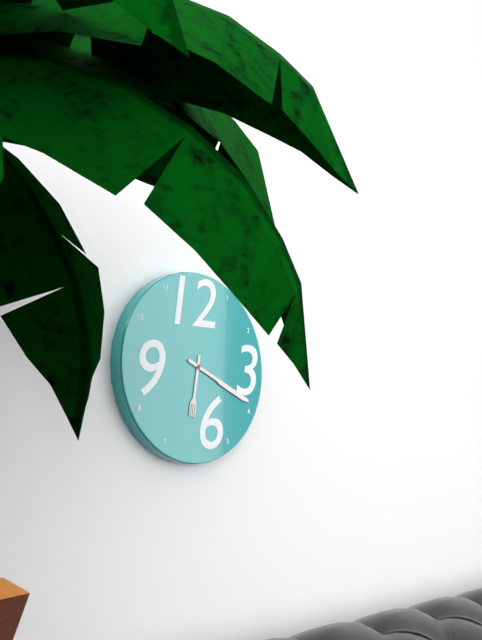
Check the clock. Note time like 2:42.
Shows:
6:19
